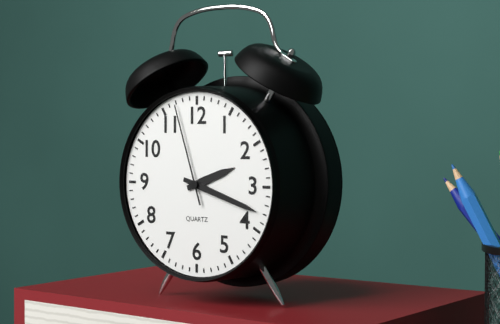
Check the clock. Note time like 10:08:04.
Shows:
2:18:57
